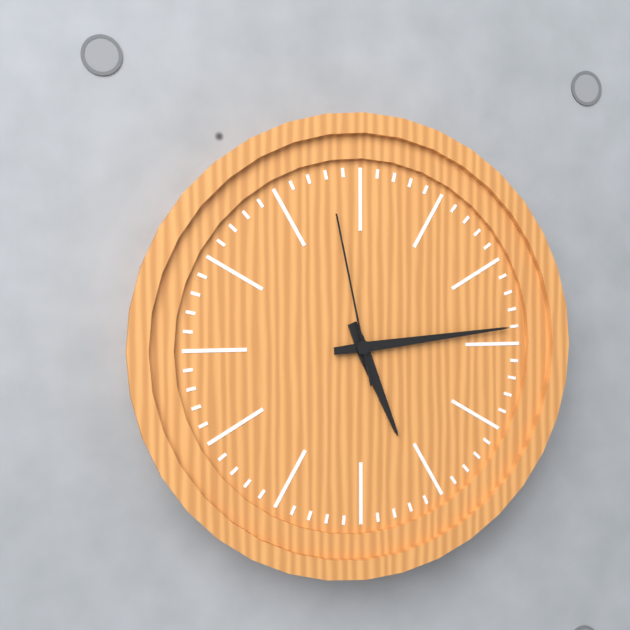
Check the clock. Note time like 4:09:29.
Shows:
5:14:58
